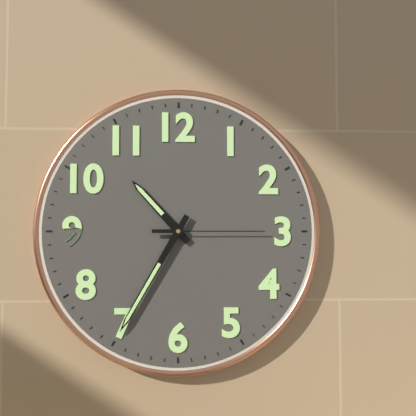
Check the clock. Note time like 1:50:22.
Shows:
10:35:15
